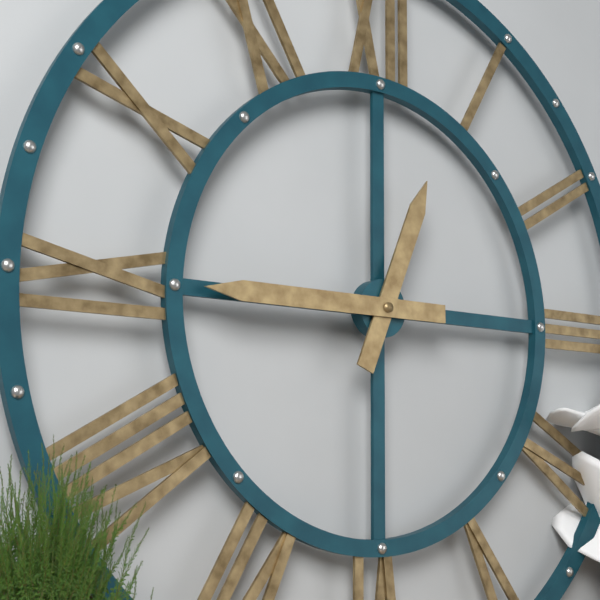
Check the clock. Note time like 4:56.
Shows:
12:45
